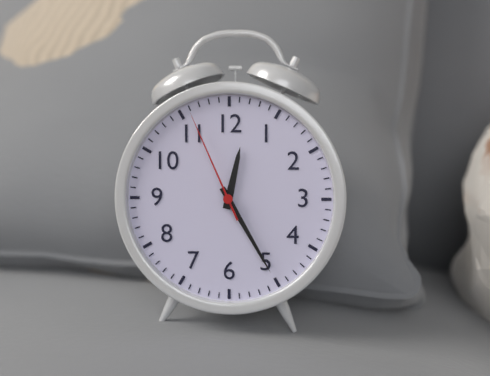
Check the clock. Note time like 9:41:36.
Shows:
12:25:56
